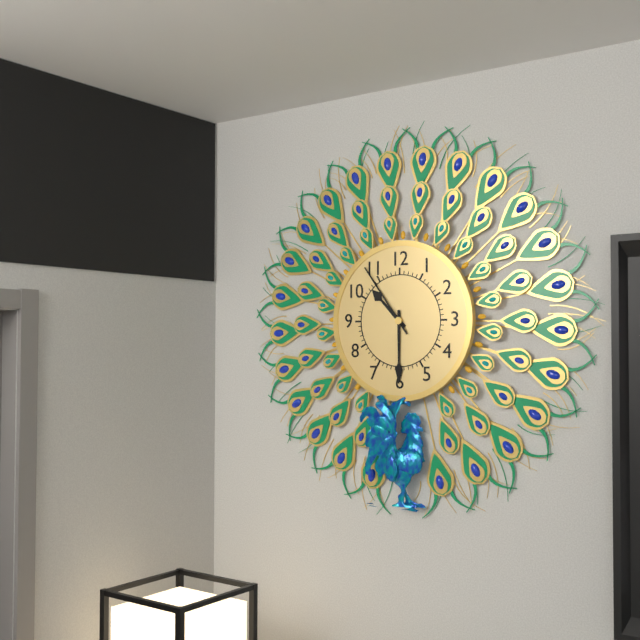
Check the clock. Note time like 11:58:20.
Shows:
10:30:54
